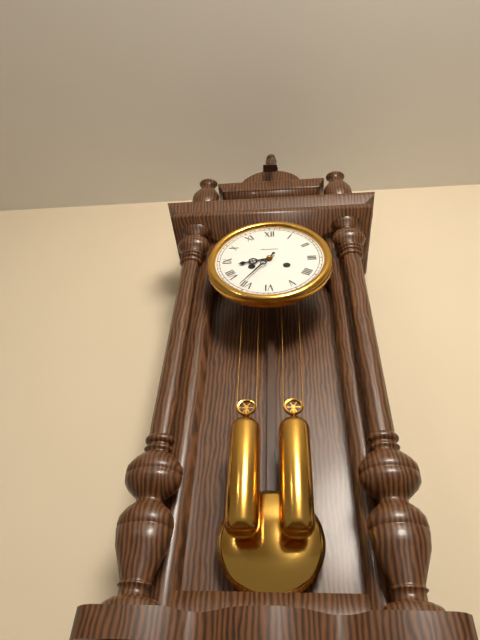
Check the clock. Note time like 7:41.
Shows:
8:36
